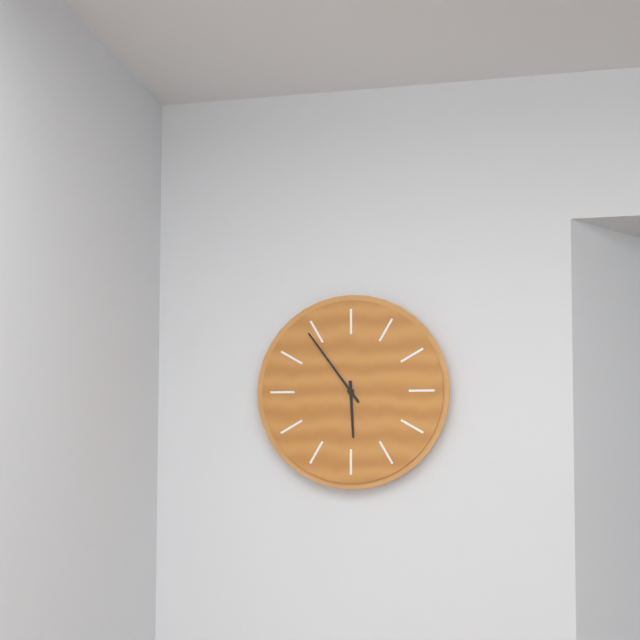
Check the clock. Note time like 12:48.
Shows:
5:54
